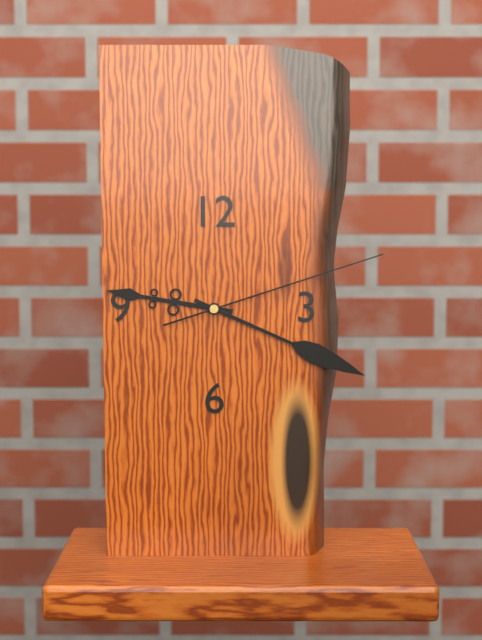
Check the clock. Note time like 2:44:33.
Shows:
9:19:12
